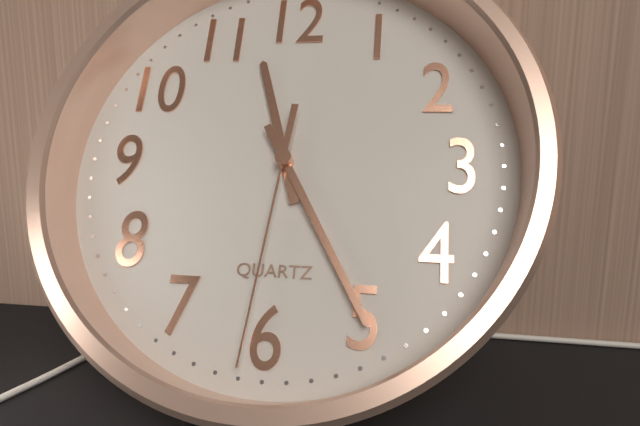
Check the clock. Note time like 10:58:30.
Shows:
11:25:31
